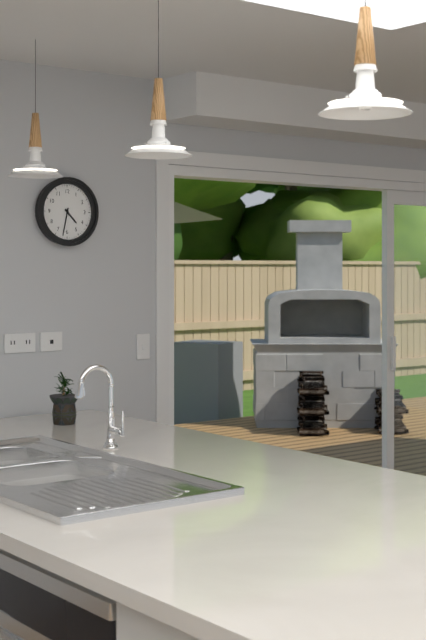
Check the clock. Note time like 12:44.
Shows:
4:32
